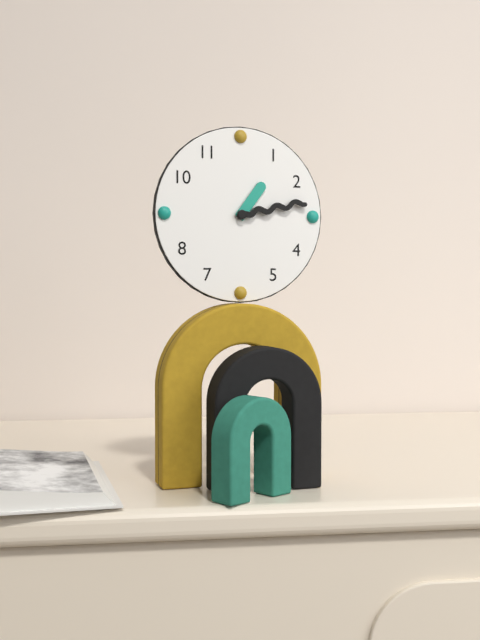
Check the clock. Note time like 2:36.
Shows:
1:13
